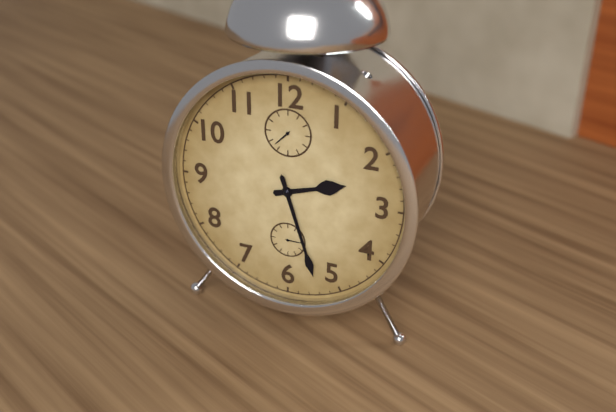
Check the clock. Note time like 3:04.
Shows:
2:27
